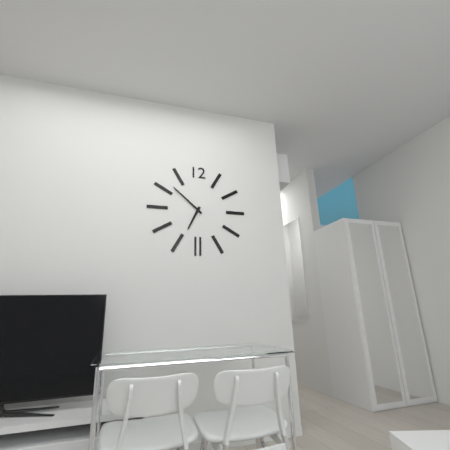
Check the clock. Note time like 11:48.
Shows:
6:52
